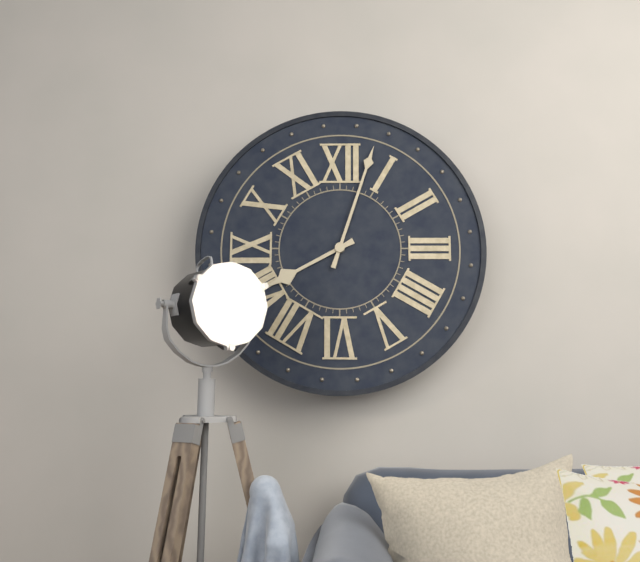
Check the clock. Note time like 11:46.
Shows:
8:03
